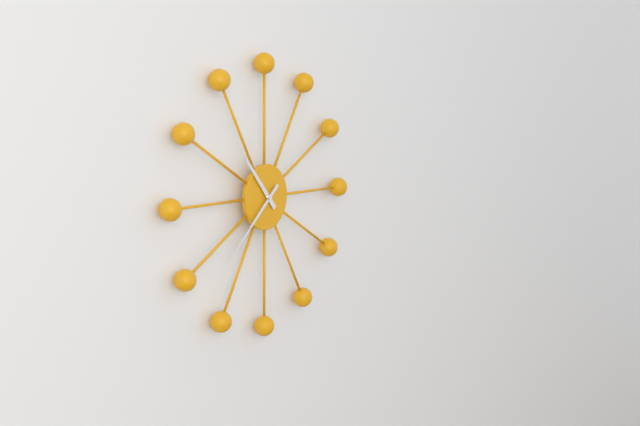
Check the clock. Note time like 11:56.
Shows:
10:38
